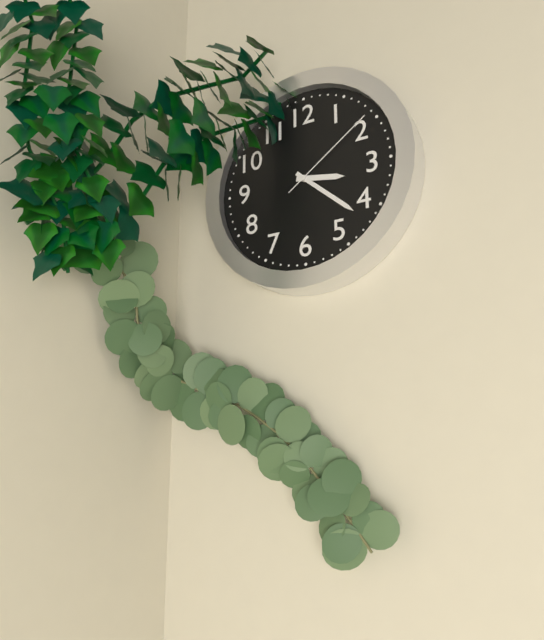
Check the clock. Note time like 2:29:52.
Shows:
3:22:09
